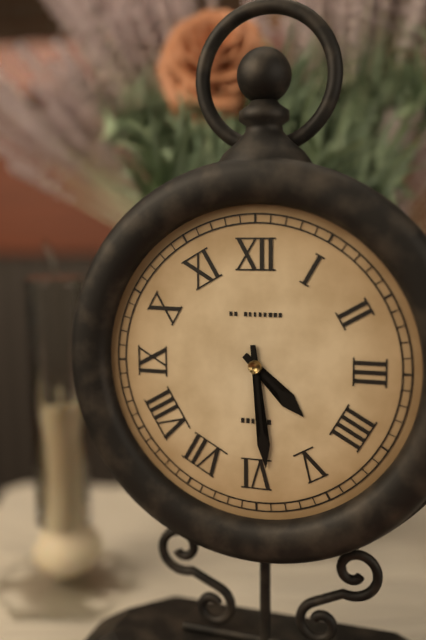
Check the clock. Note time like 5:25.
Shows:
4:29
